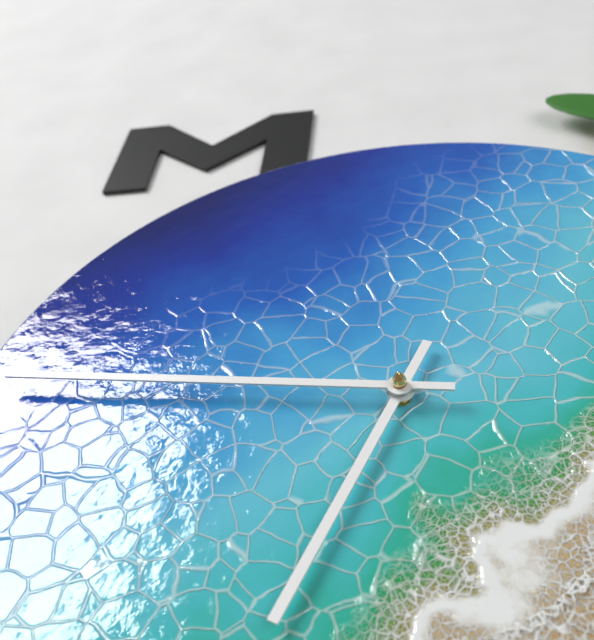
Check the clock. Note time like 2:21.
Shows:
6:46
